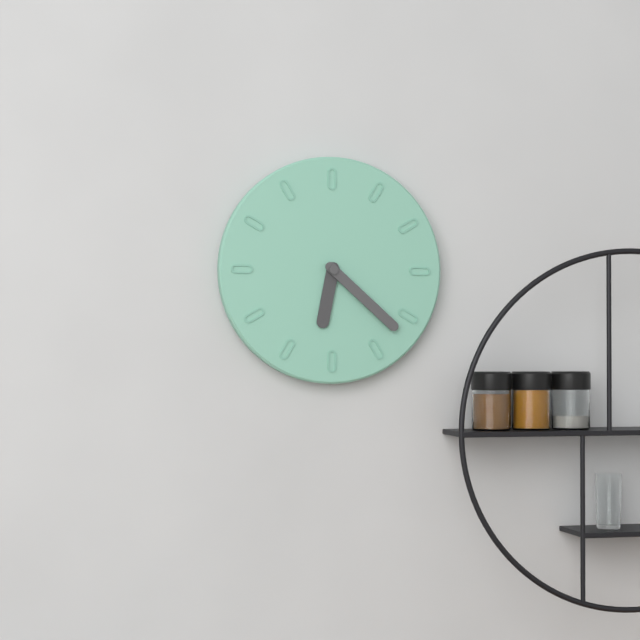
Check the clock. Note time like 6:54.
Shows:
6:22
